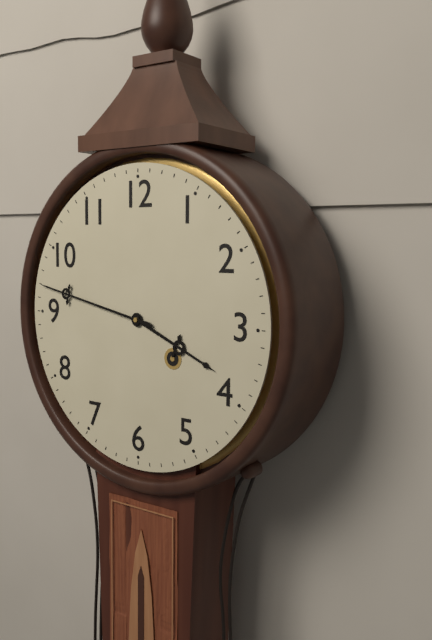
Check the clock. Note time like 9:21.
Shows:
3:47
